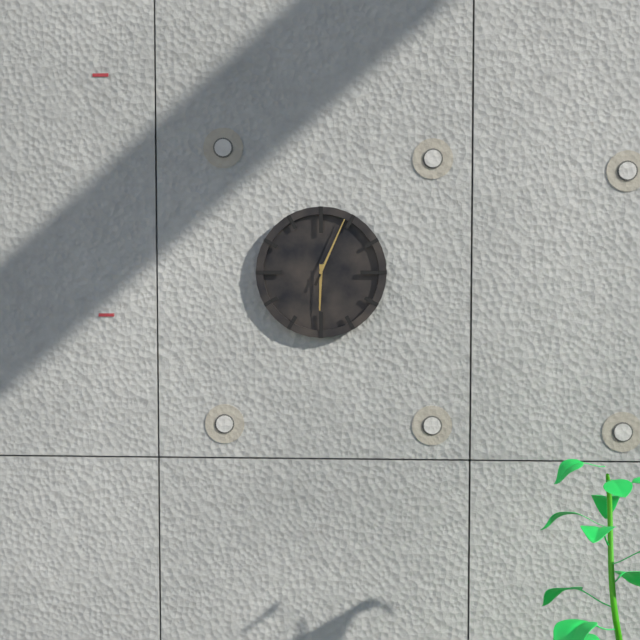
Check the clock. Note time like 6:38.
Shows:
6:04
